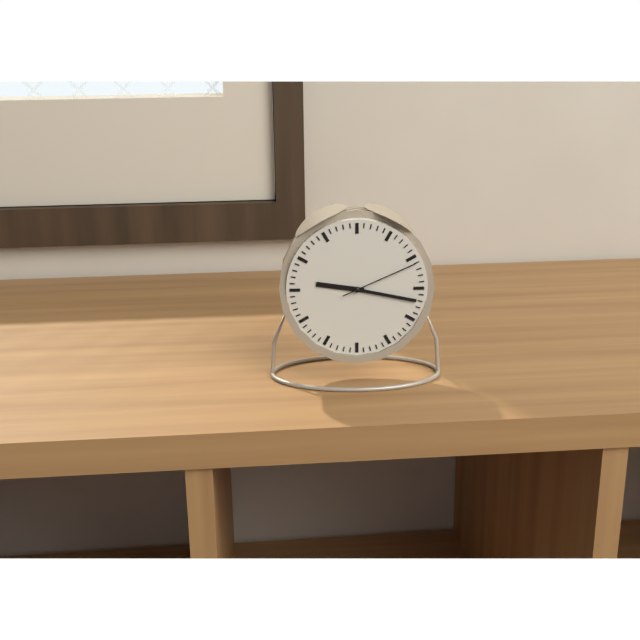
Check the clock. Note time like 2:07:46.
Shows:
9:17:11
